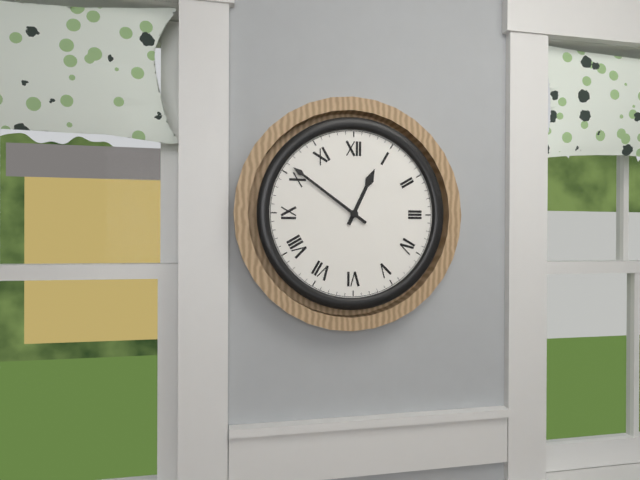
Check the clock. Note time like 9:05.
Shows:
12:51
